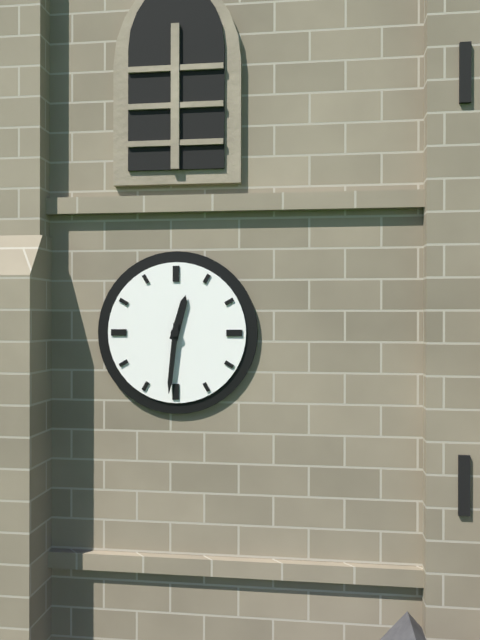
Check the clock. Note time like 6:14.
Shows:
12:31
